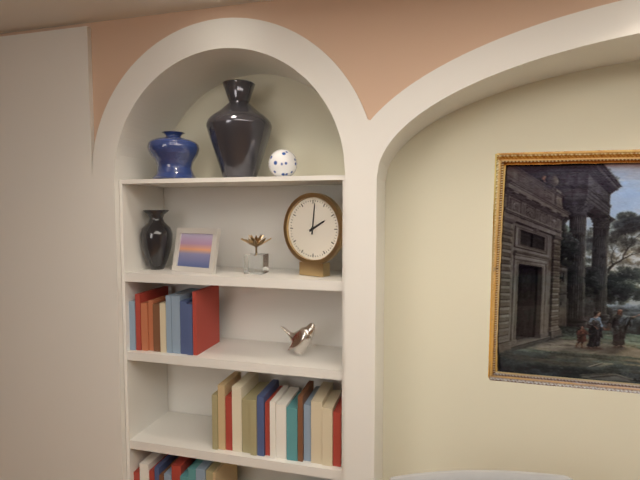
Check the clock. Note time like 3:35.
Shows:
2:01
